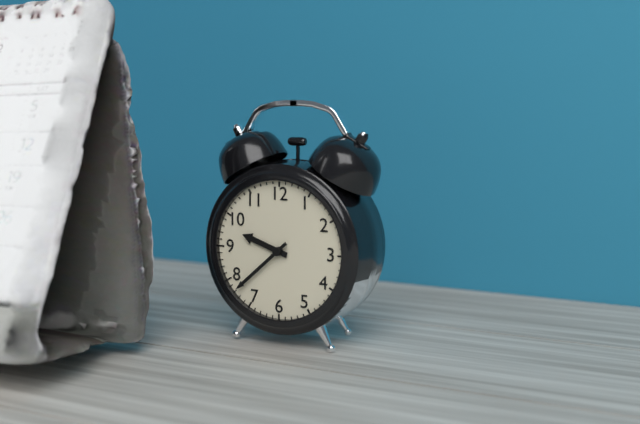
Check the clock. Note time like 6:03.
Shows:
9:38
